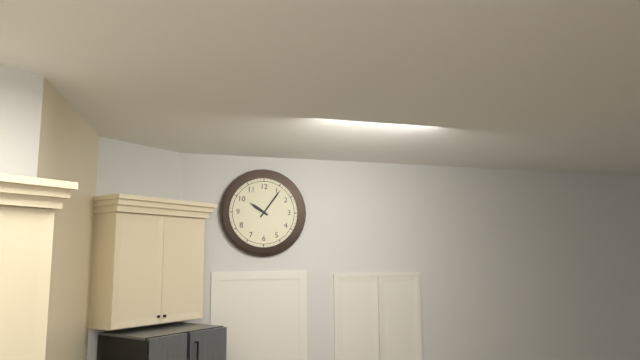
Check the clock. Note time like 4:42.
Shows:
10:06
